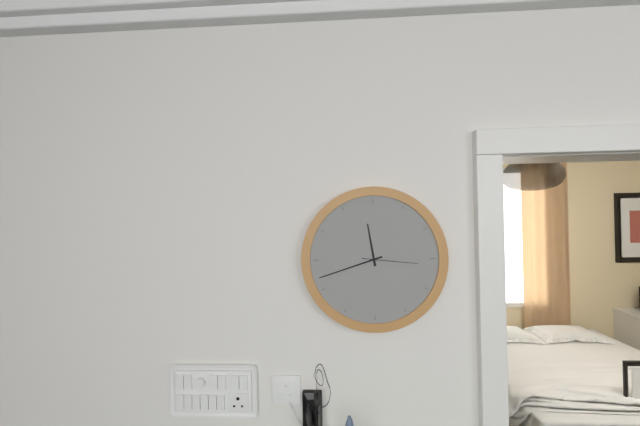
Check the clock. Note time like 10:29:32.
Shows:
11:42:16
